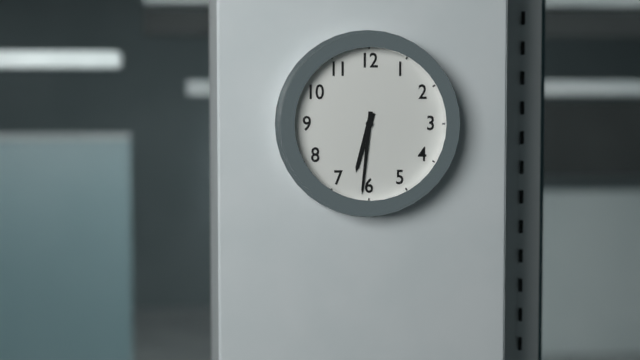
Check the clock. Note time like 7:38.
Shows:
6:31
